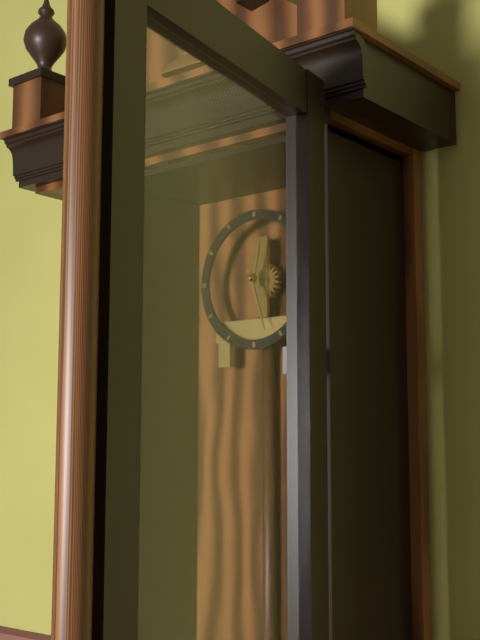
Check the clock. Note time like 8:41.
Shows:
12:27
